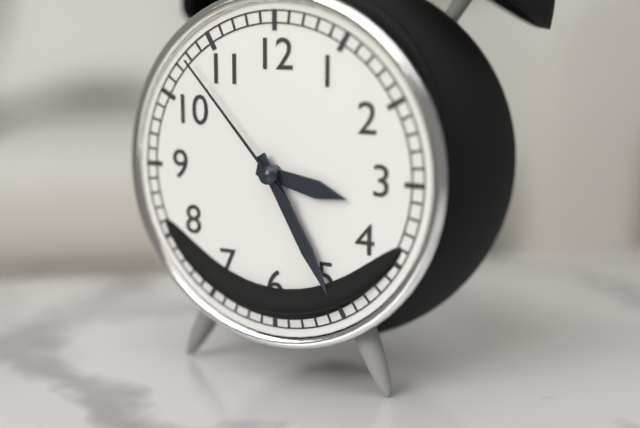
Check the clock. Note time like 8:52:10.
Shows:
3:25:53
